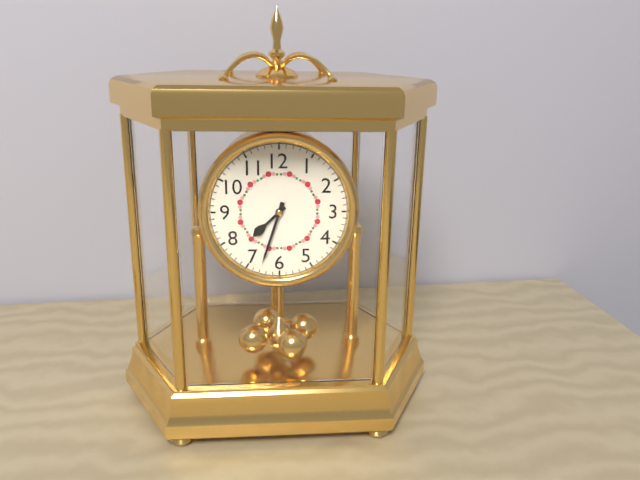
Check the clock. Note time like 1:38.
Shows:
7:33
